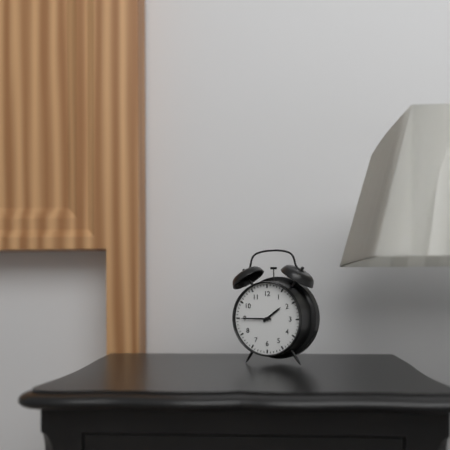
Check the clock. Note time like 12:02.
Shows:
1:45
